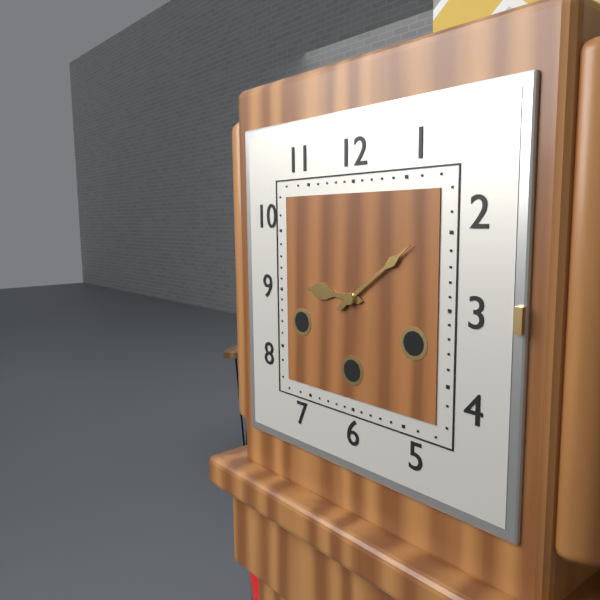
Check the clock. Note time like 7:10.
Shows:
9:09
